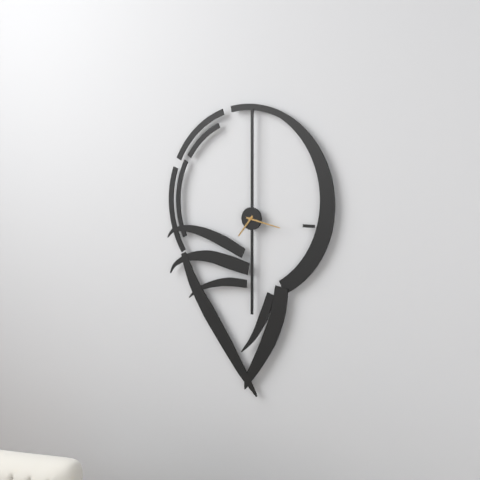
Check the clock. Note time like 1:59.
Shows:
7:17
